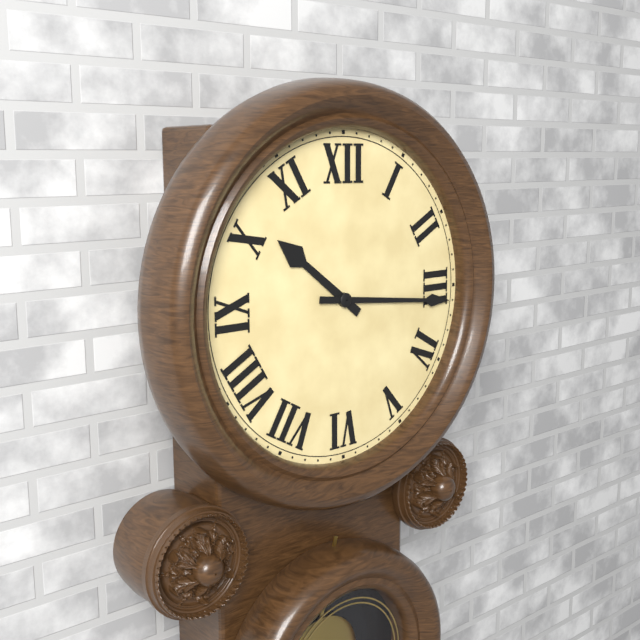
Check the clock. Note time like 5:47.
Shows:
10:16
